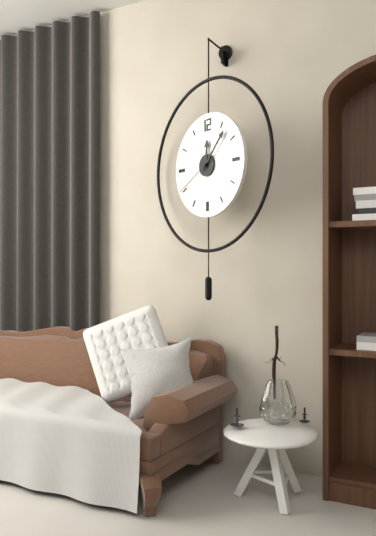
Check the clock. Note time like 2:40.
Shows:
12:07
